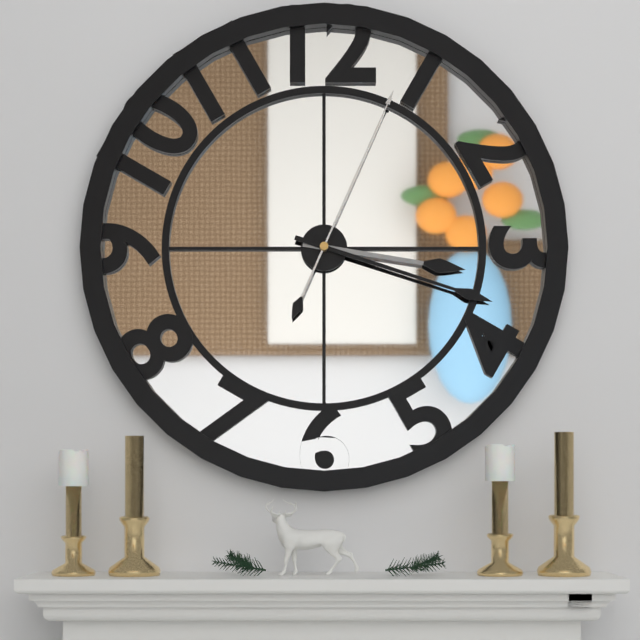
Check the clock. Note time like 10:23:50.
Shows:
3:18:04
